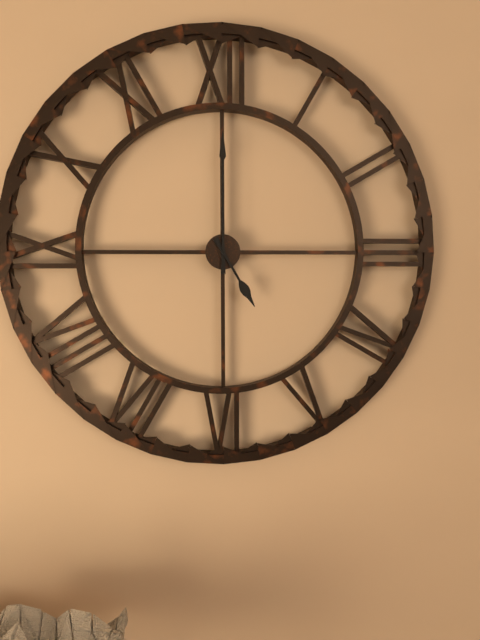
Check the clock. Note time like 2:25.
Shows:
5:00
